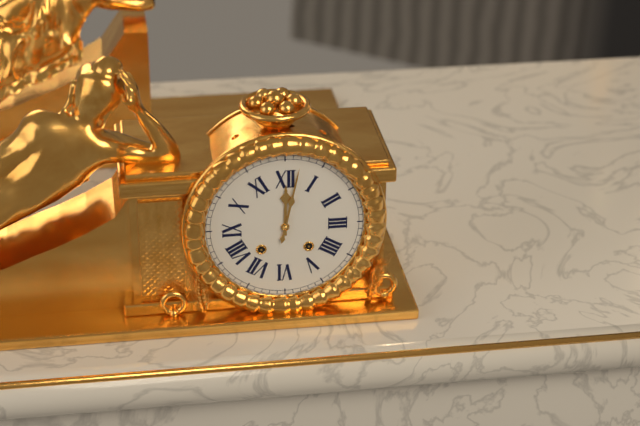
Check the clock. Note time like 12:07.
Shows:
12:02
